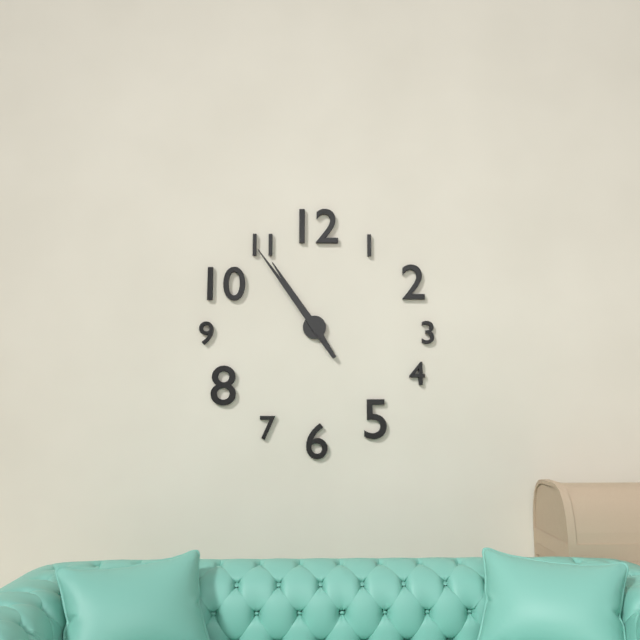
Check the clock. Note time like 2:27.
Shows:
10:54
